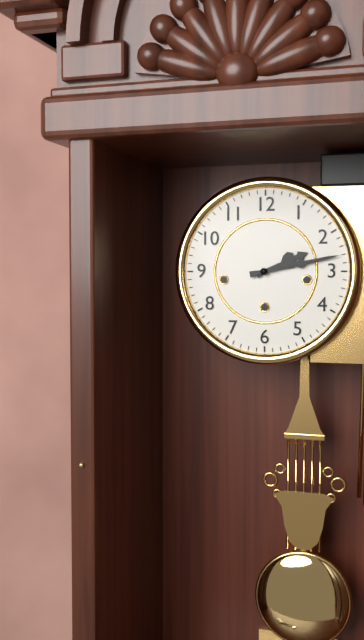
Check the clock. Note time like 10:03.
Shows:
2:13
